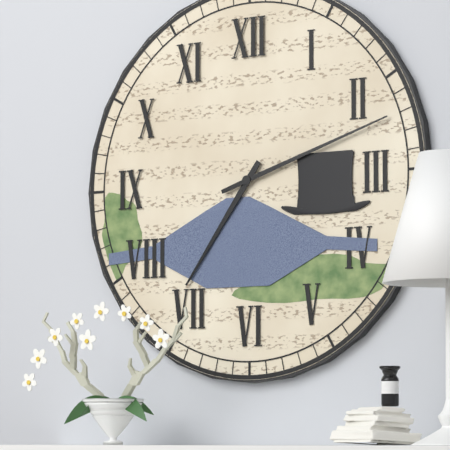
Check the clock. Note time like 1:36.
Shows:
7:12
